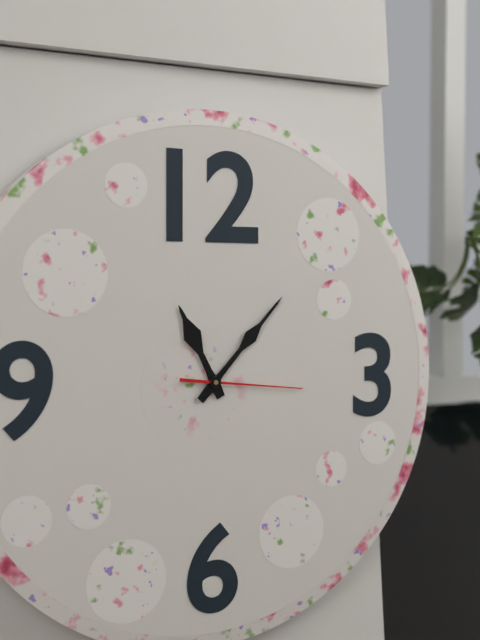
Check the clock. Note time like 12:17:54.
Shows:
11:07:16
